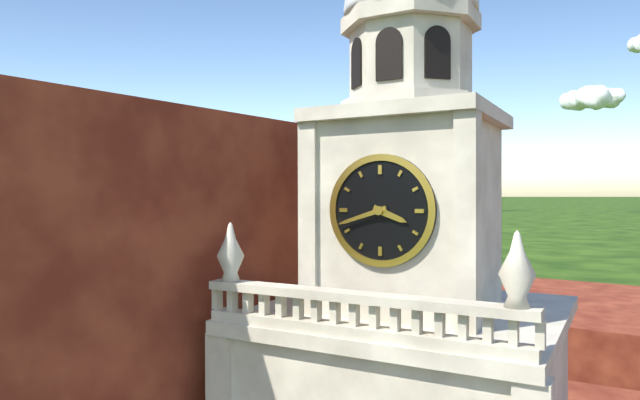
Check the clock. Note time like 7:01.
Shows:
3:42
